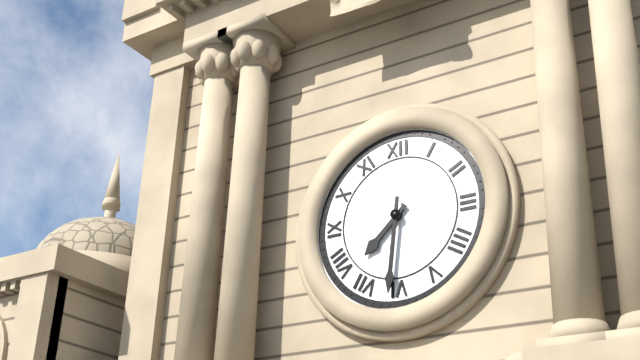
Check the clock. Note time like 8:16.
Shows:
7:31
